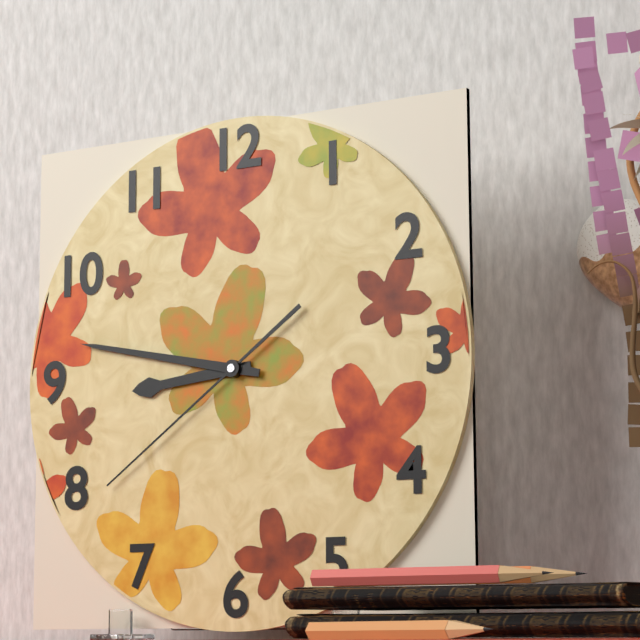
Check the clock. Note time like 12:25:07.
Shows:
8:47:39
